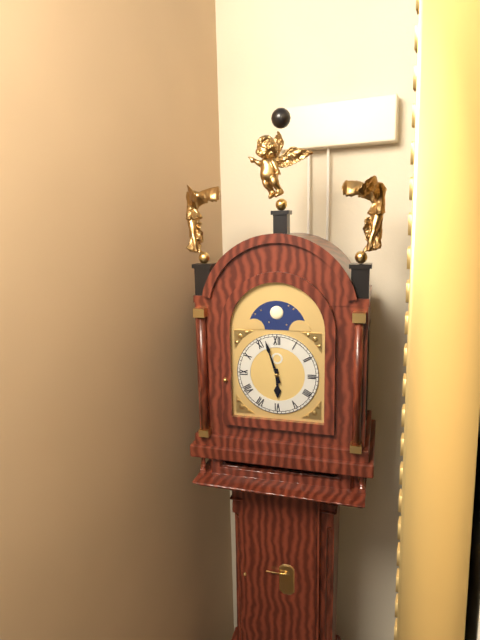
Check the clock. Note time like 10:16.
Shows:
5:57
